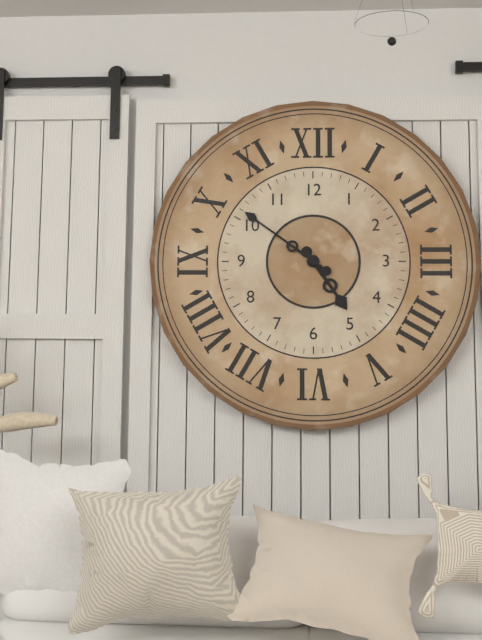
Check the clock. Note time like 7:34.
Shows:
4:51
